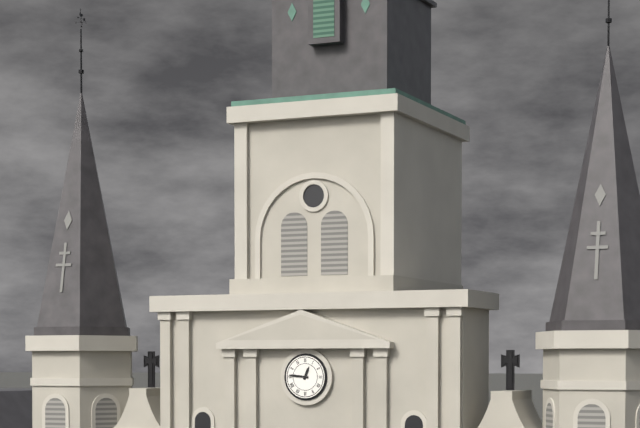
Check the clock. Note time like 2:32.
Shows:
12:46
